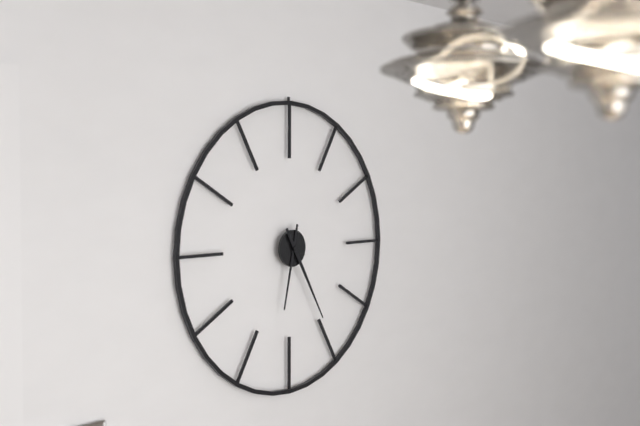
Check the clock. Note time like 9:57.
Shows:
6:25
